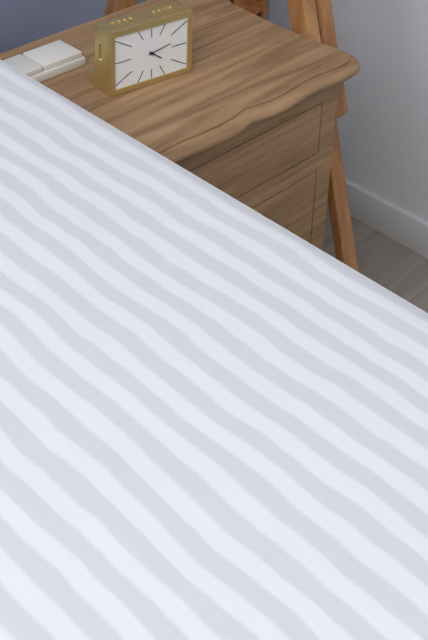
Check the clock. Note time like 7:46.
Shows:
4:13
